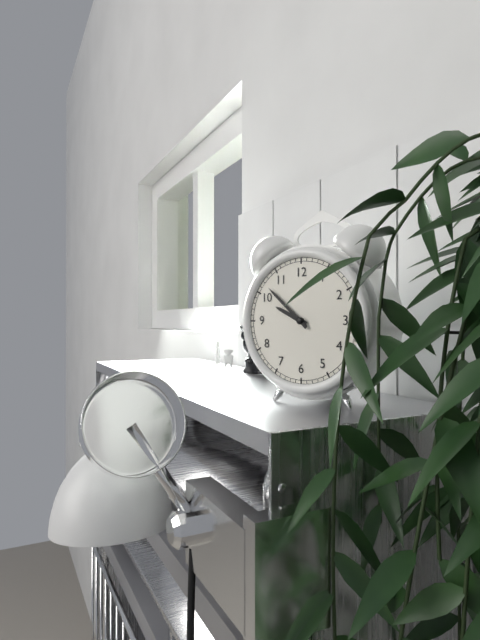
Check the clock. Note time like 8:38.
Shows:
9:52
